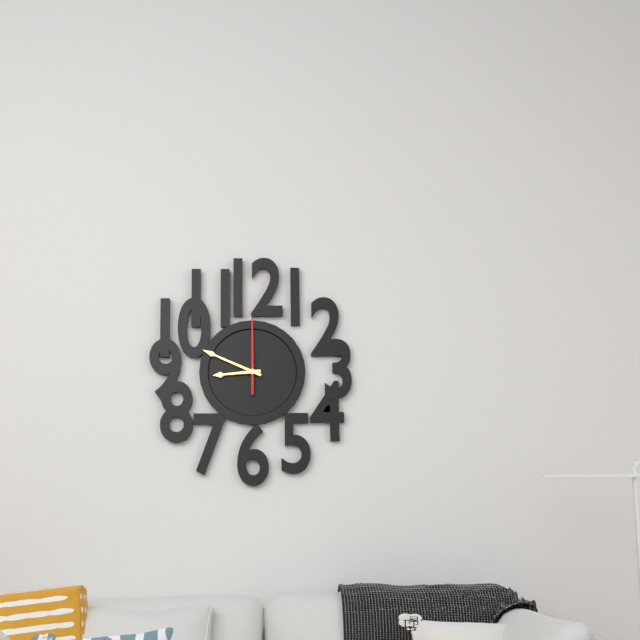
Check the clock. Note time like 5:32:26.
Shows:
8:49:00
